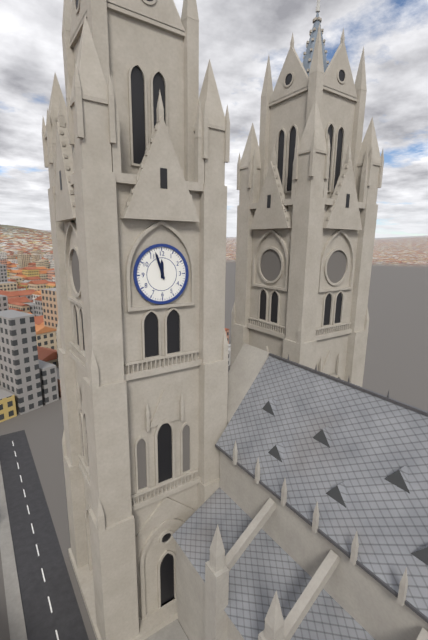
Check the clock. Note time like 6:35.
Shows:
11:57
